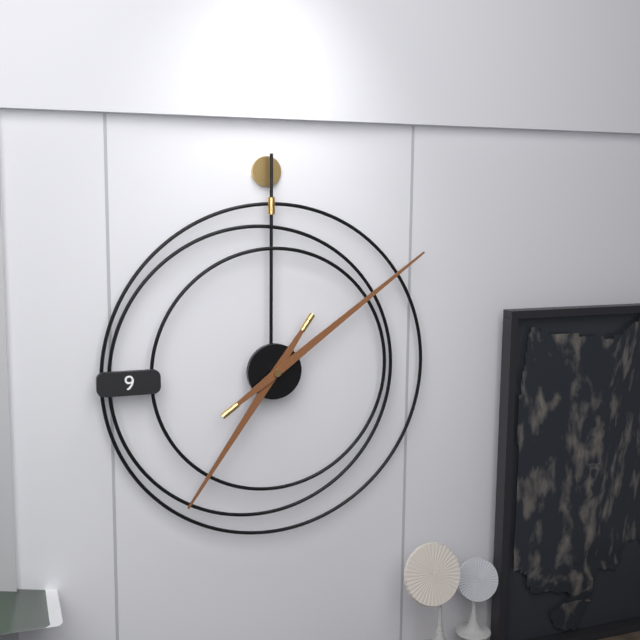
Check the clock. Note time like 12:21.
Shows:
7:09
